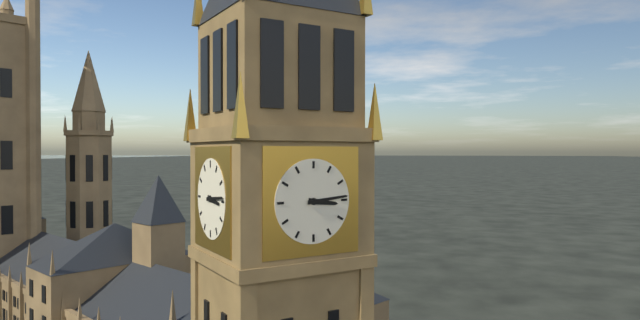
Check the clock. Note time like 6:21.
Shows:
3:14
